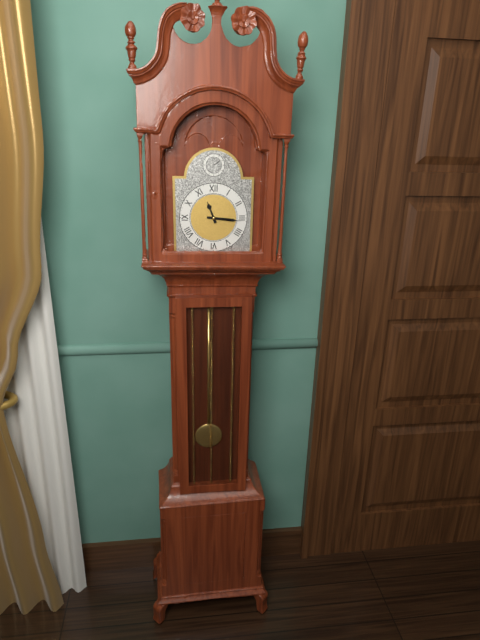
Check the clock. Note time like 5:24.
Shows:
11:16
